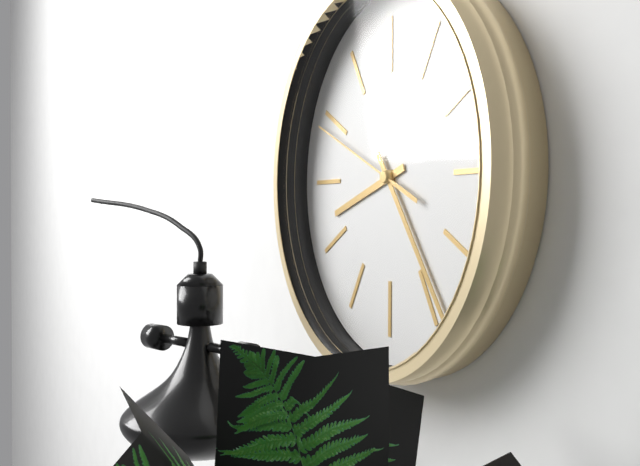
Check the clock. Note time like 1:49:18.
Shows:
8:24:49
